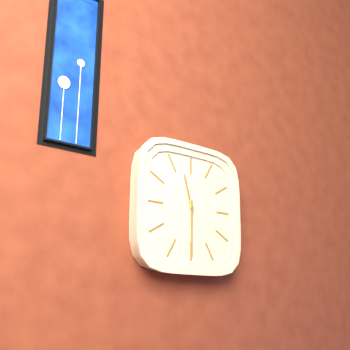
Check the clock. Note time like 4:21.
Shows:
11:30
